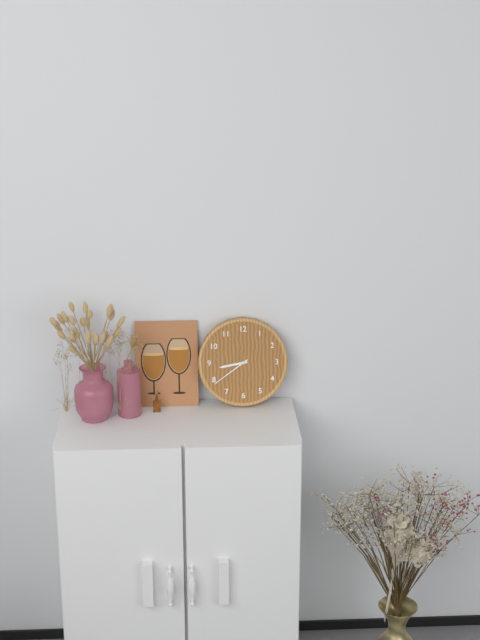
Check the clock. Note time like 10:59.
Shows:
8:39
